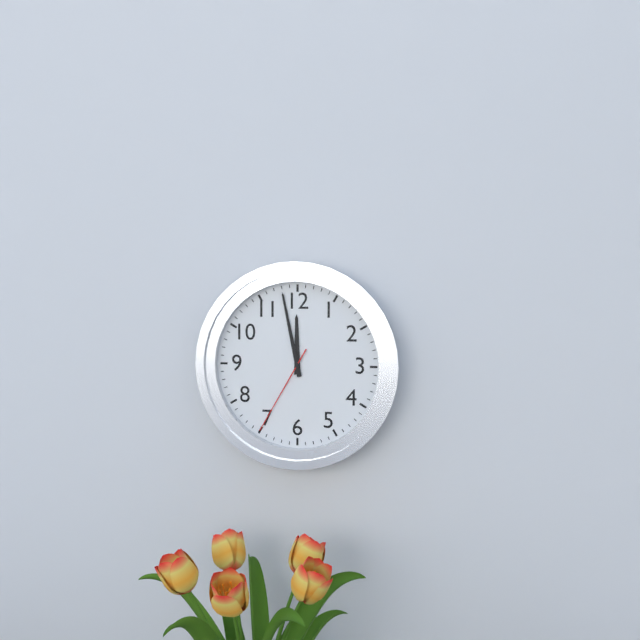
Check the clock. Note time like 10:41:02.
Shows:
11:58:35
